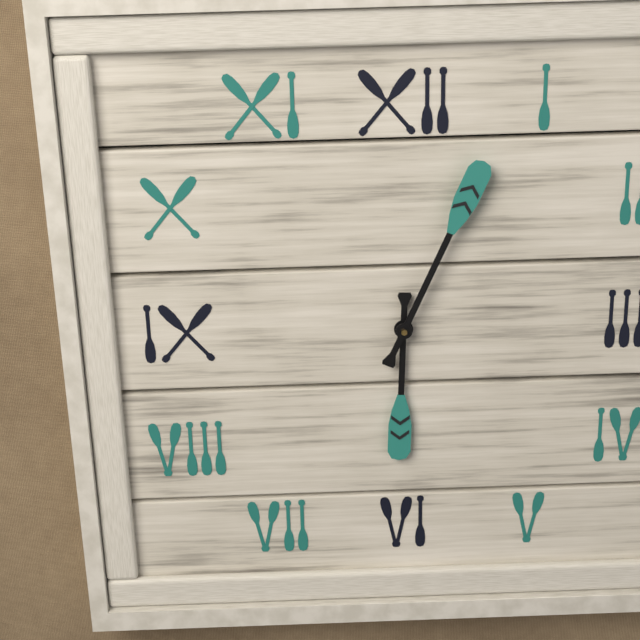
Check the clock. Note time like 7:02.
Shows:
6:04
